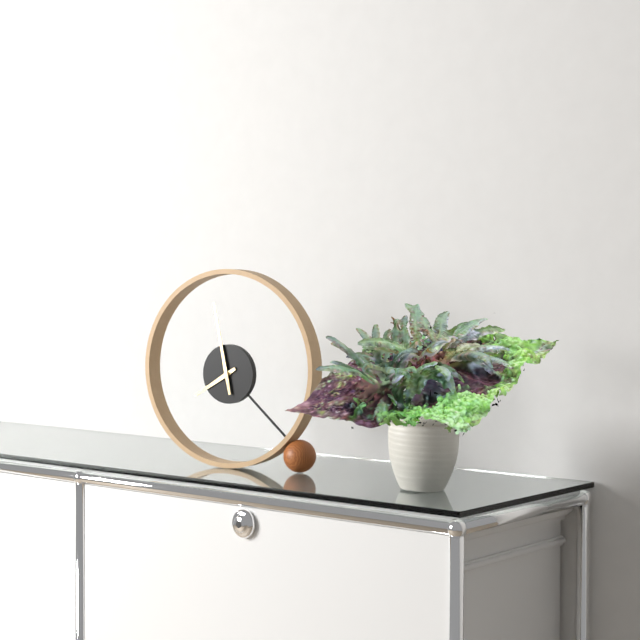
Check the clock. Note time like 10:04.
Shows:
7:58
